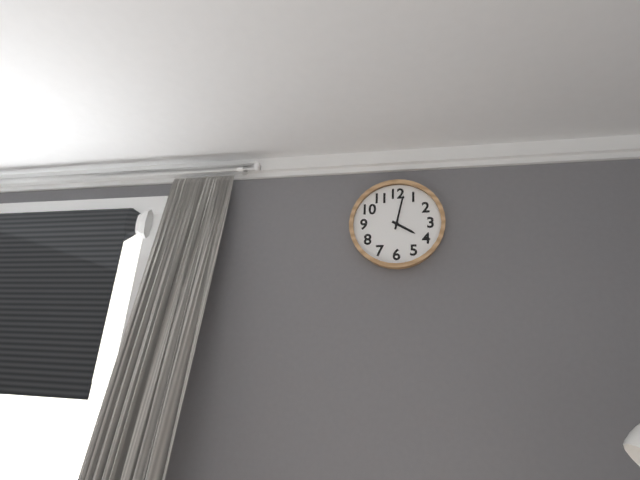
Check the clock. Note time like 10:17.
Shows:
4:02
